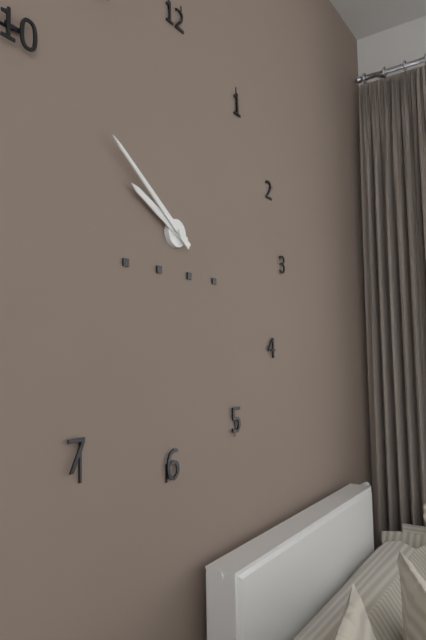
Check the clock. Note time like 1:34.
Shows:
9:51
